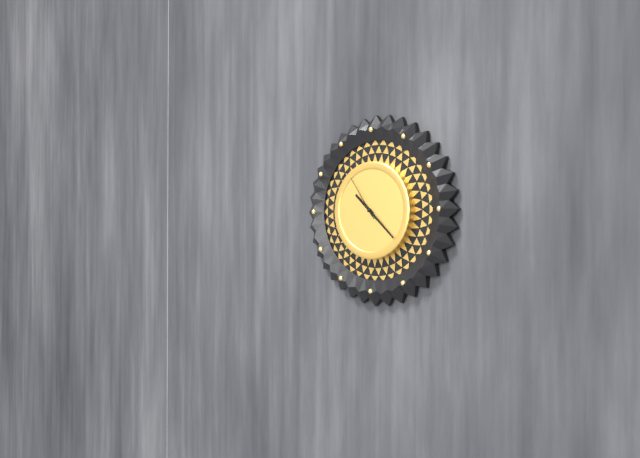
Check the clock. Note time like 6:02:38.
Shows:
10:22:54
